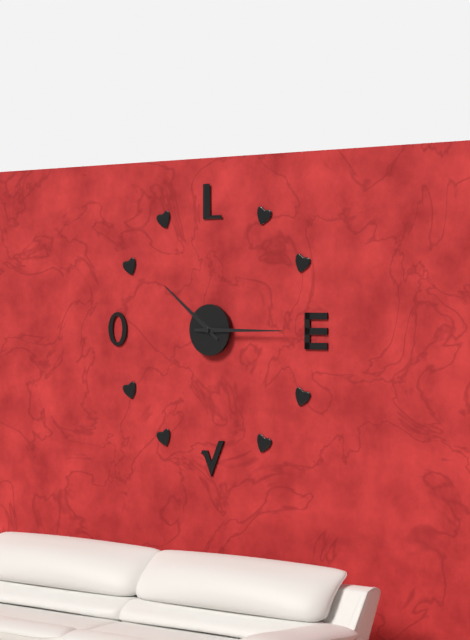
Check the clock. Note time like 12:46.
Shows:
10:15
